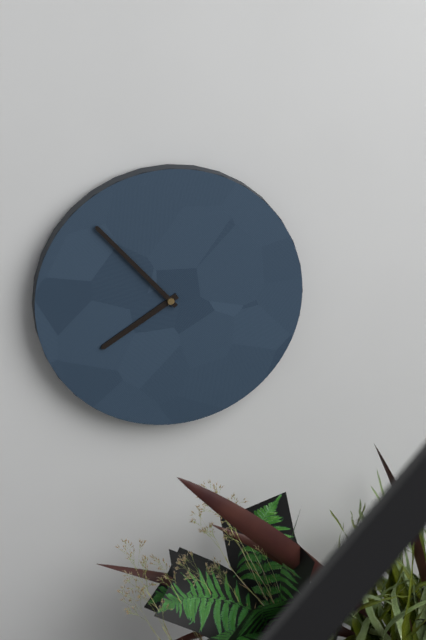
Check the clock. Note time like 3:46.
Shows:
7:53
